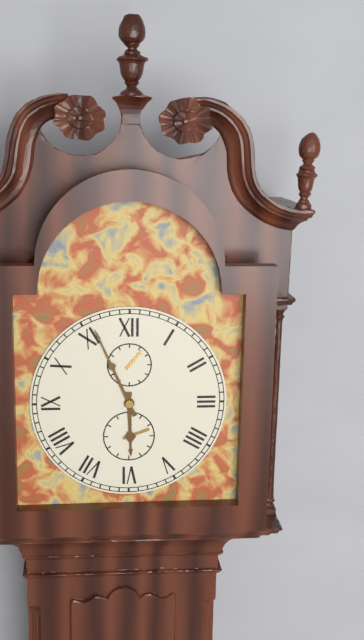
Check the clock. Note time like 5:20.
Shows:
5:56
